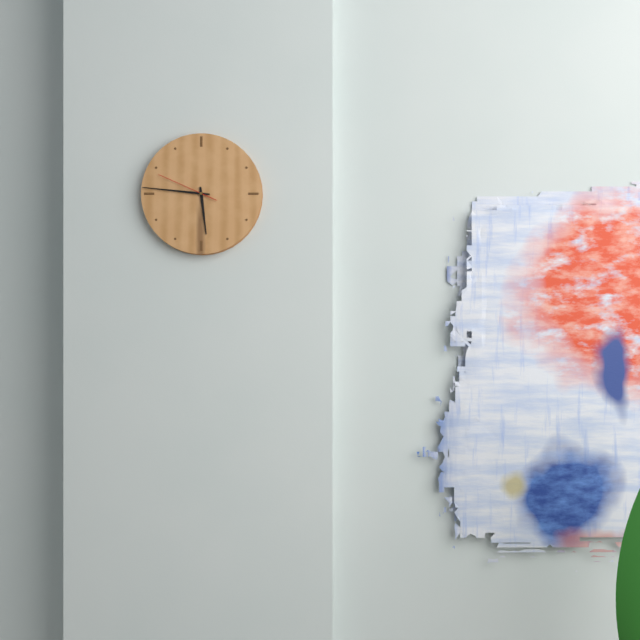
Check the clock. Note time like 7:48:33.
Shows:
5:46:49
